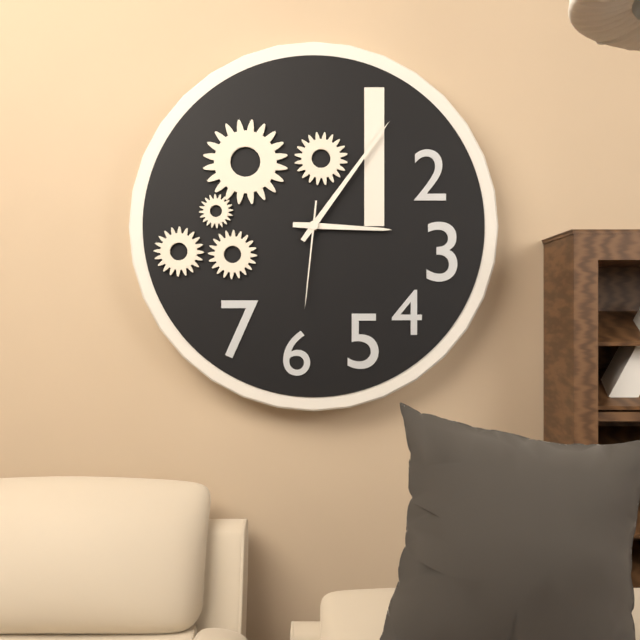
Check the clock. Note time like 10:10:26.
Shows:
3:06:31
